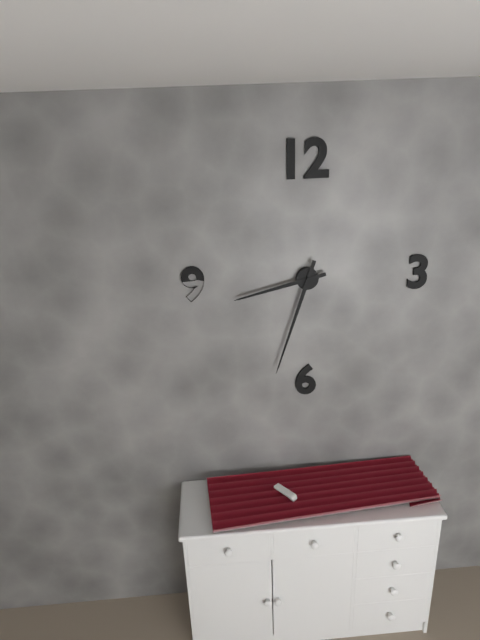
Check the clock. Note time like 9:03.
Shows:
8:33
